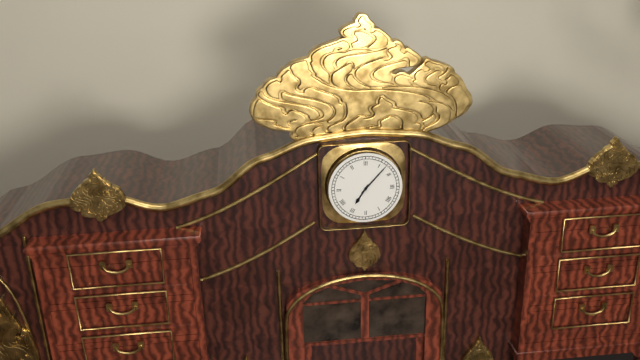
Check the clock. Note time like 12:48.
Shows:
7:07
